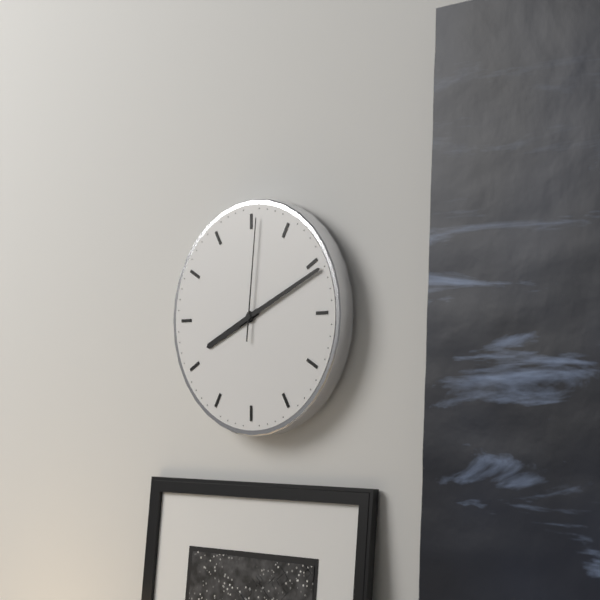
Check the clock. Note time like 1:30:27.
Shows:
8:11:01
